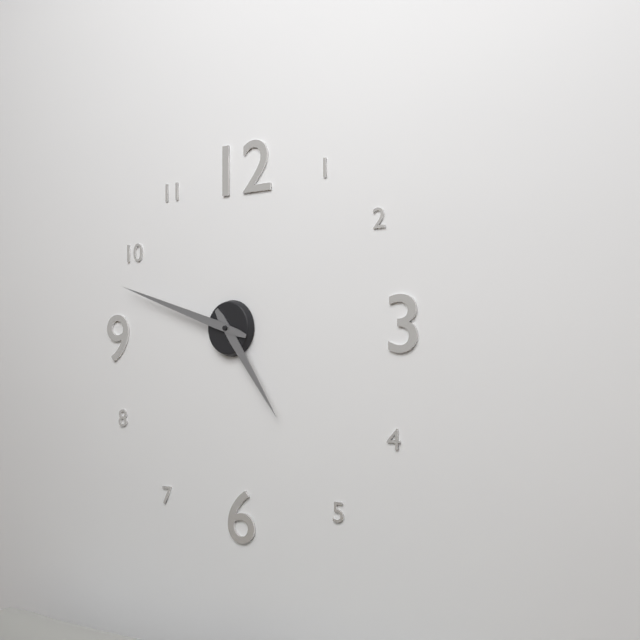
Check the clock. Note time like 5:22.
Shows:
4:48
